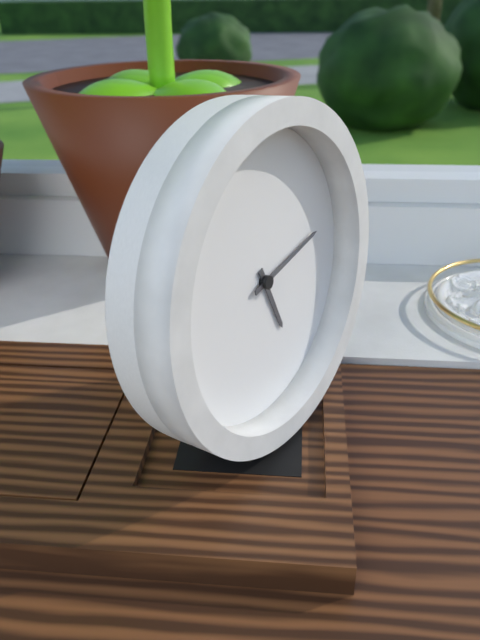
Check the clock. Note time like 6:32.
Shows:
5:13
